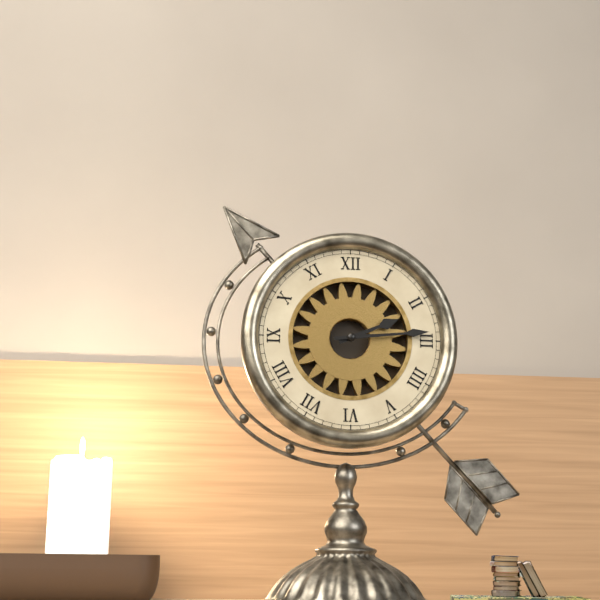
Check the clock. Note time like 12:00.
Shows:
2:14
